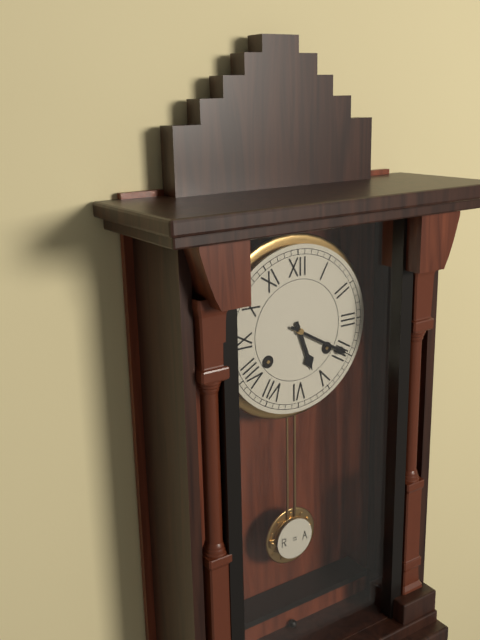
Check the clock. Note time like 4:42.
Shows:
5:20
